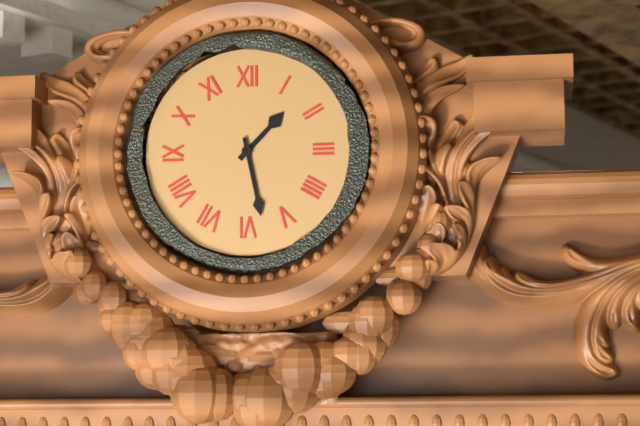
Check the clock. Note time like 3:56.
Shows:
1:28
